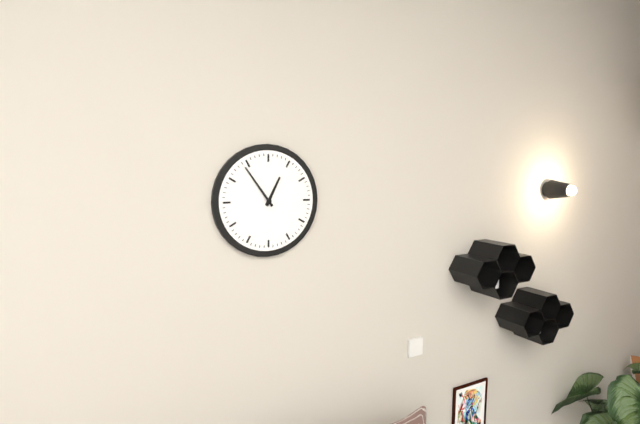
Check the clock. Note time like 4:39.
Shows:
12:54
